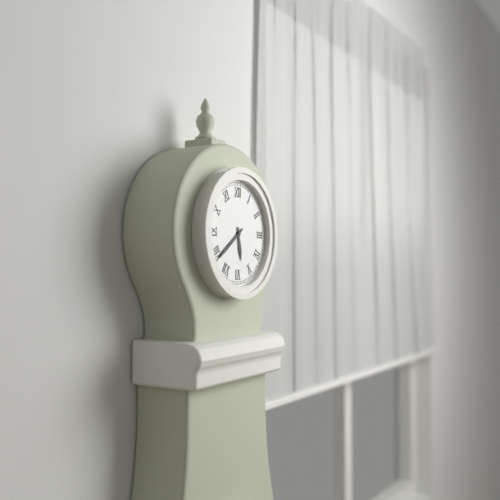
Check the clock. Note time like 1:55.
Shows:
5:39
